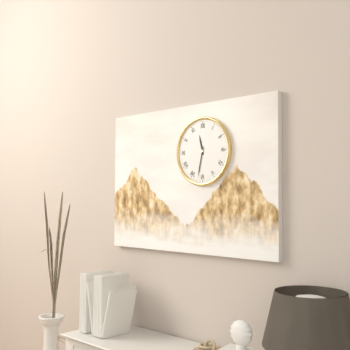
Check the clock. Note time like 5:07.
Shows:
11:32
